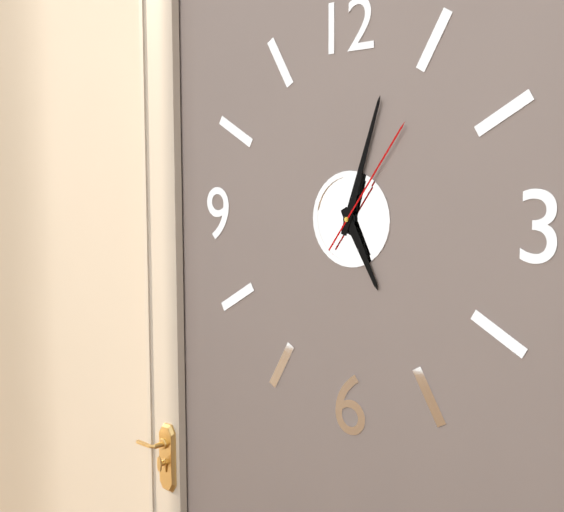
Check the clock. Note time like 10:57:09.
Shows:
5:03:06
